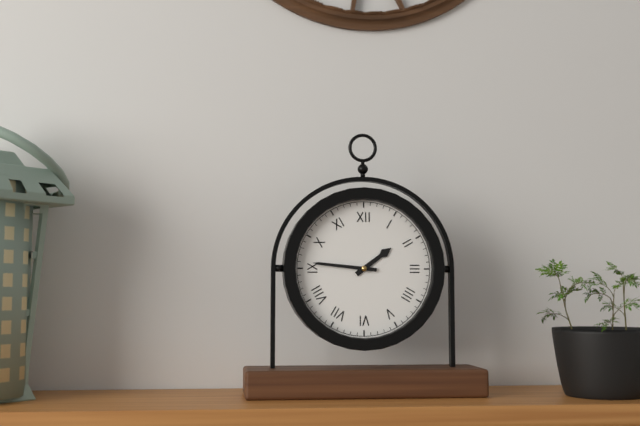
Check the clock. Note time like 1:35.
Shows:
1:46
